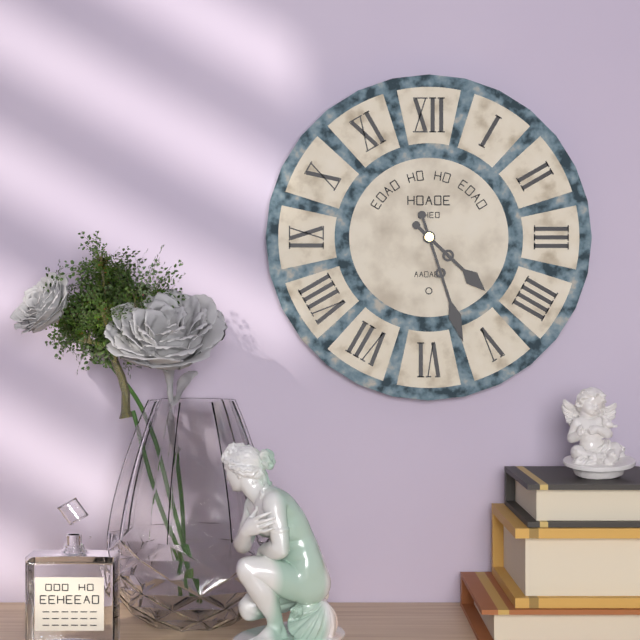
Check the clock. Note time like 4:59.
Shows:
4:27
